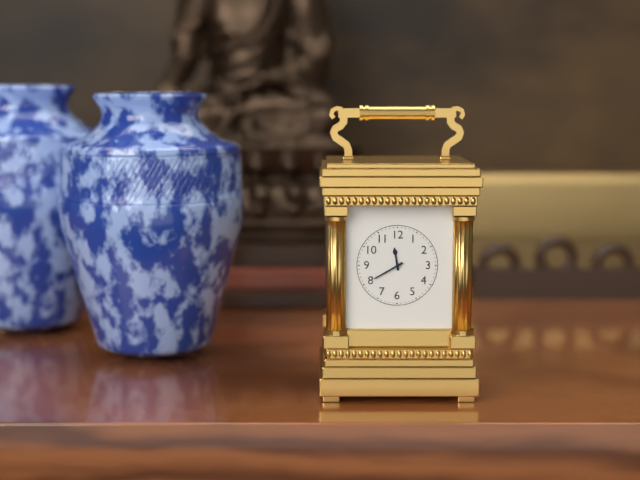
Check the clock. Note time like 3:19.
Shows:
11:40
